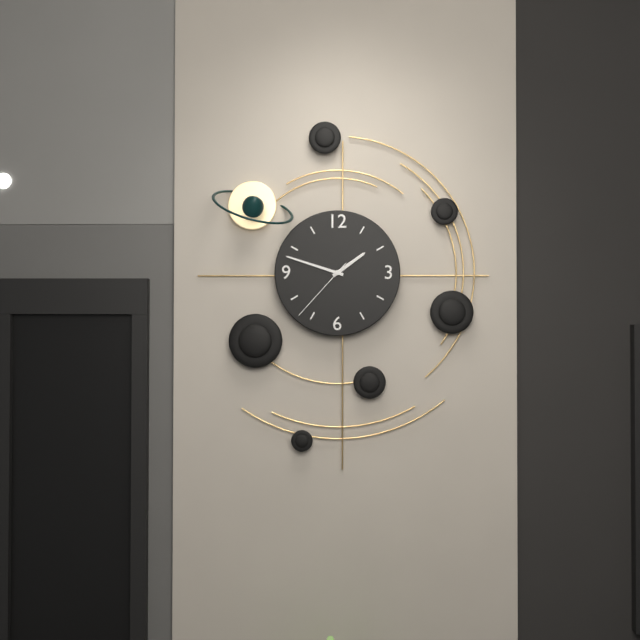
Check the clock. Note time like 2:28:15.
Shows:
1:48:37
